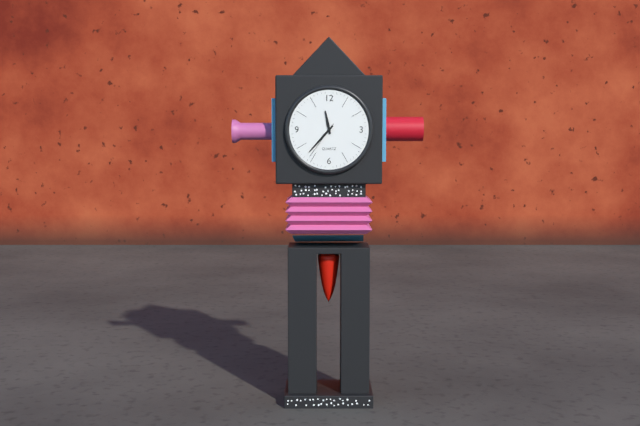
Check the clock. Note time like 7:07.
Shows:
11:37
